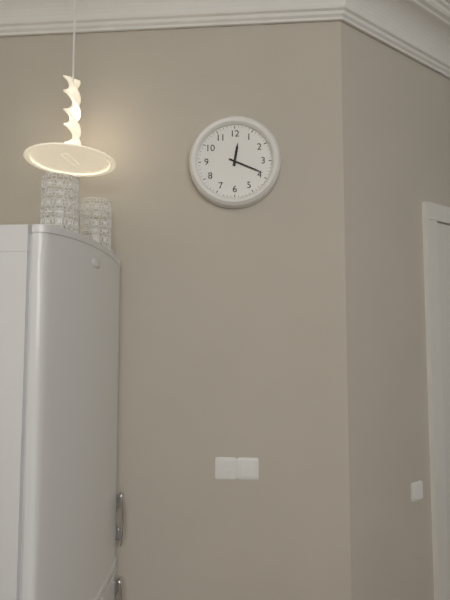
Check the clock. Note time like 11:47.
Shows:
12:19
